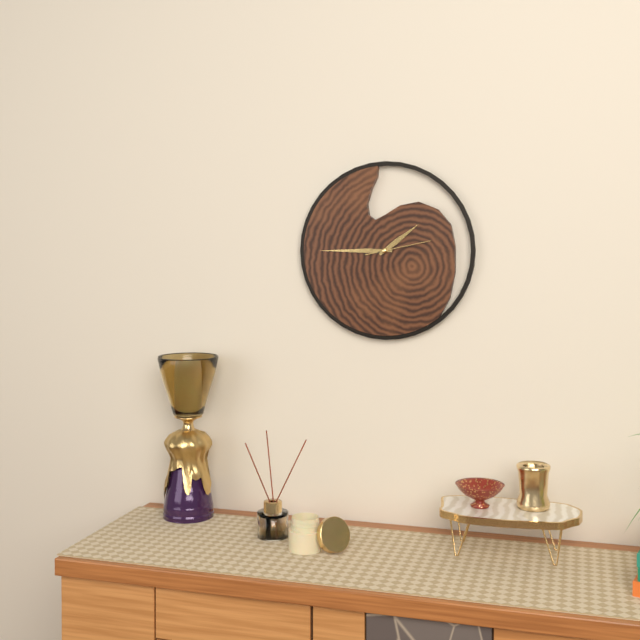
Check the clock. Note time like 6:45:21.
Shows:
1:45:13
